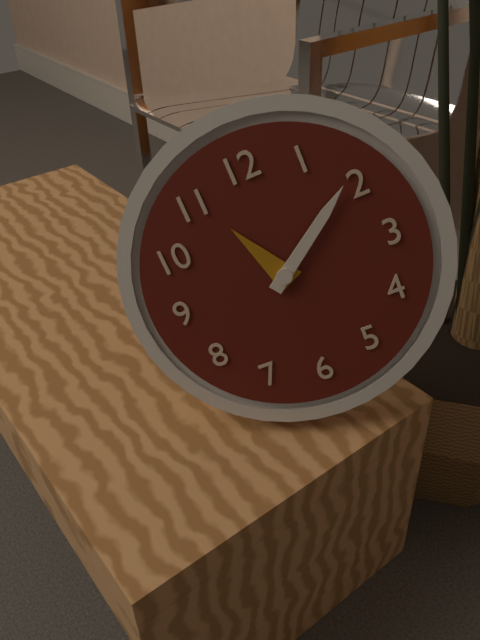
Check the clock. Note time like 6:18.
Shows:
11:09
